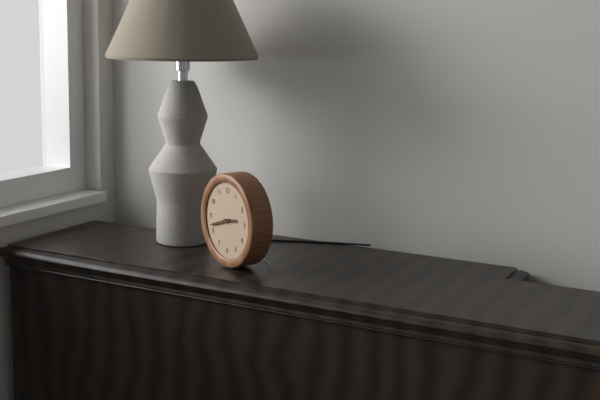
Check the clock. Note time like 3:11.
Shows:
2:42
